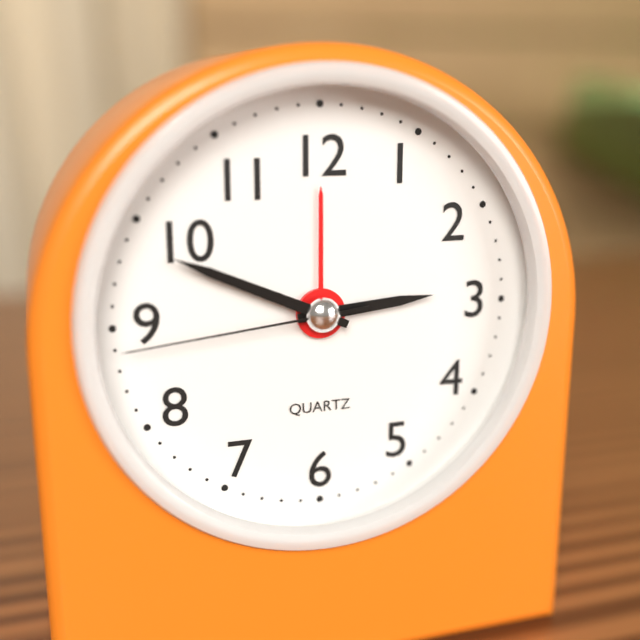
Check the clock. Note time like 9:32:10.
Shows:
2:49:44
